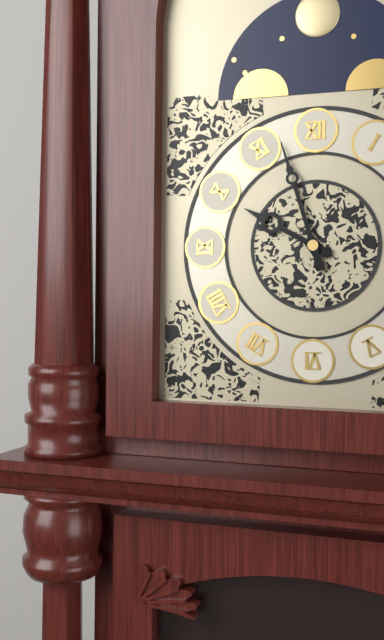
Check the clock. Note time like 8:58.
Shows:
9:57
